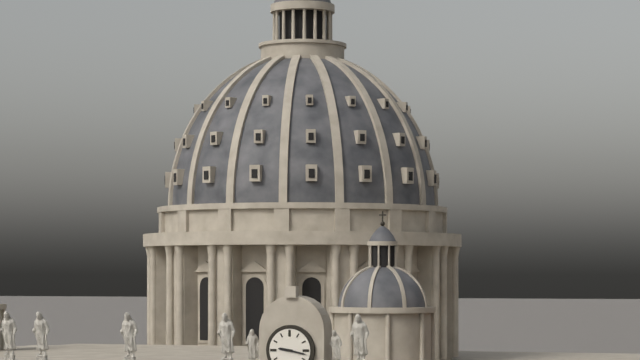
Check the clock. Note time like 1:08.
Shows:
9:17
